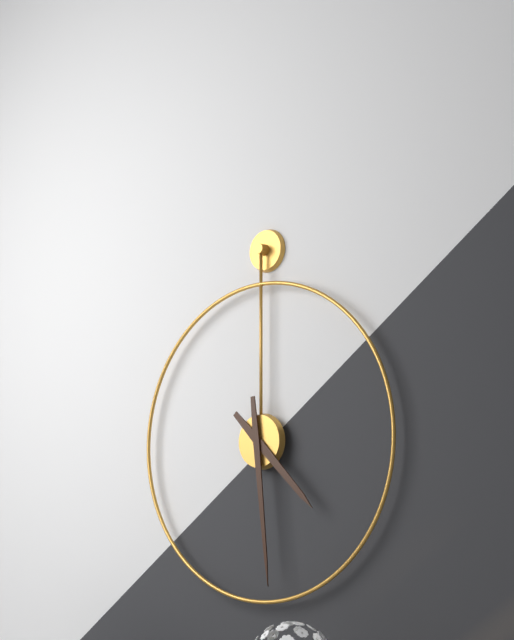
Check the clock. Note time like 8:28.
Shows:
4:29
